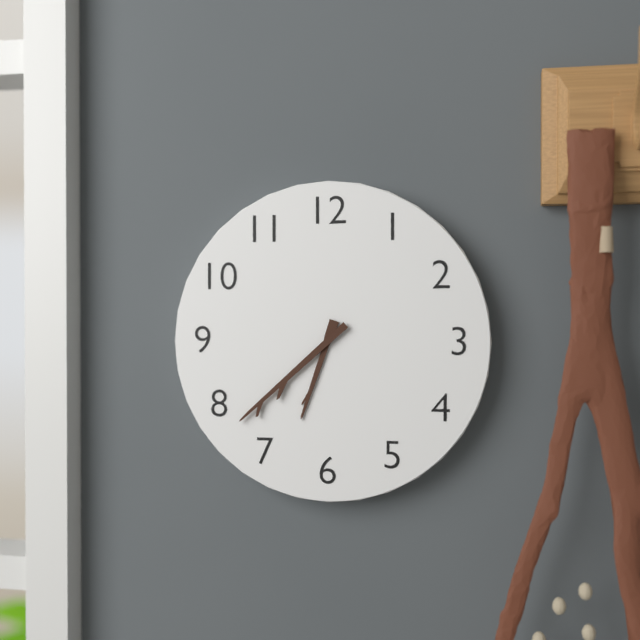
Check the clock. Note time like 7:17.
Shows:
6:38
